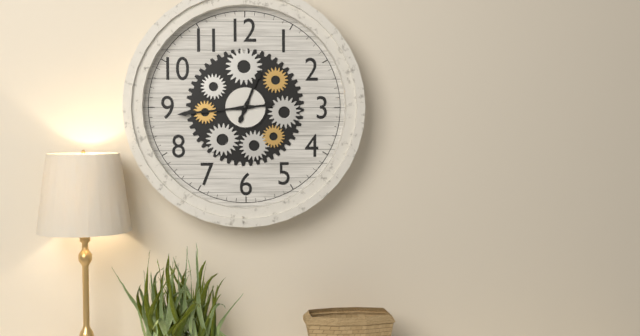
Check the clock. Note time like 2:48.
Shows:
12:44
